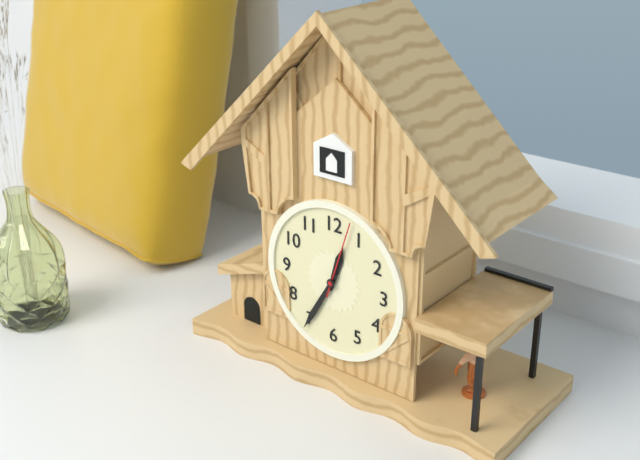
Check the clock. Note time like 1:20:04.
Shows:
12:35:03
